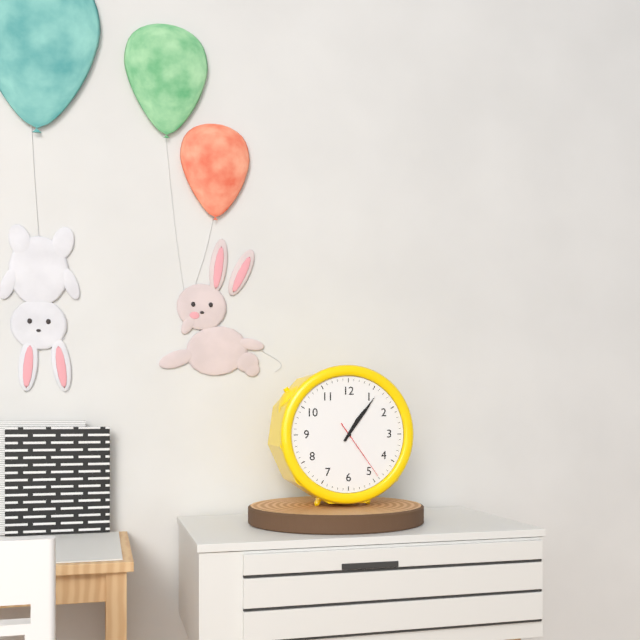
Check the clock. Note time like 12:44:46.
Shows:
1:06:24
